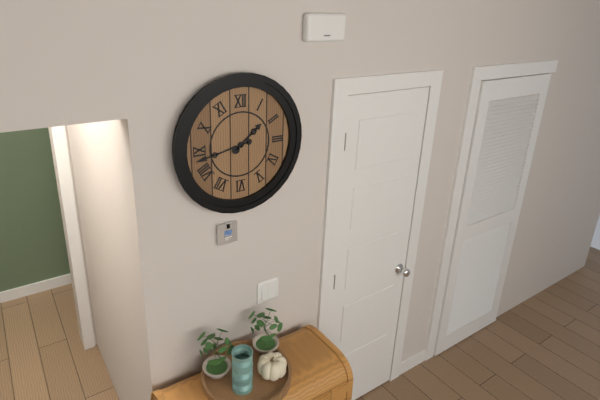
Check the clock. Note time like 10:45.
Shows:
1:43
